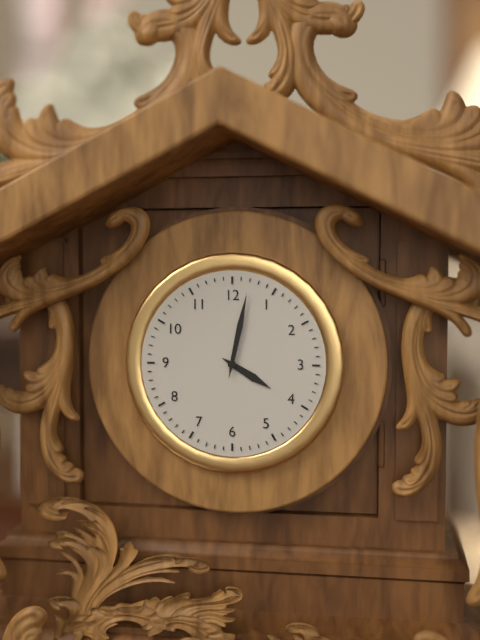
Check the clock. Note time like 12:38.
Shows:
4:02
